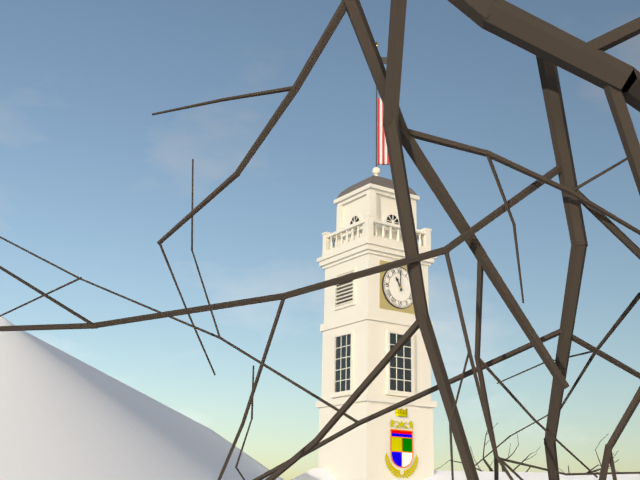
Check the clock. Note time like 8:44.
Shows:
11:00
